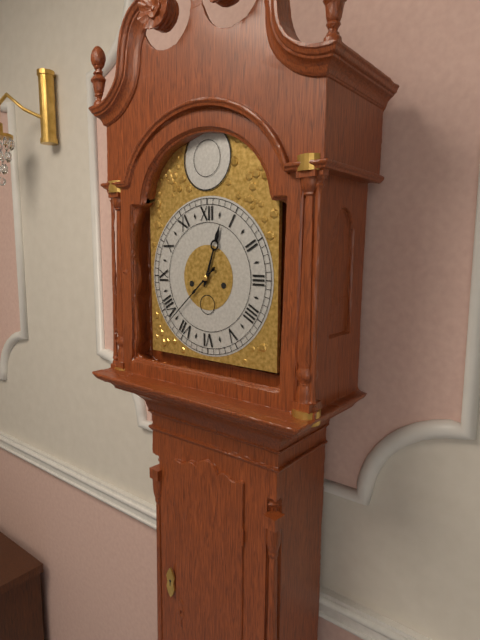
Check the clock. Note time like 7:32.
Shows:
12:38
